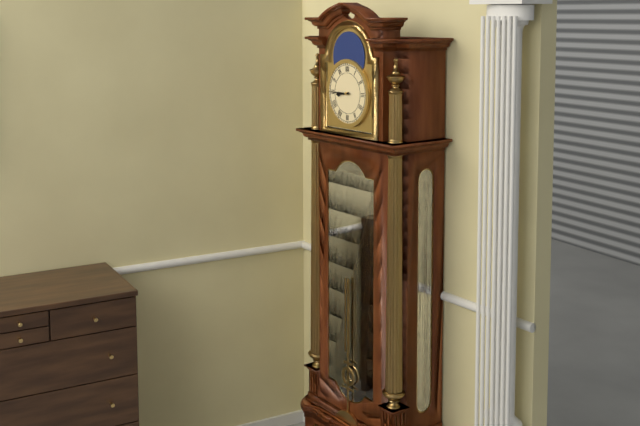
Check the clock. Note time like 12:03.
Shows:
8:45
